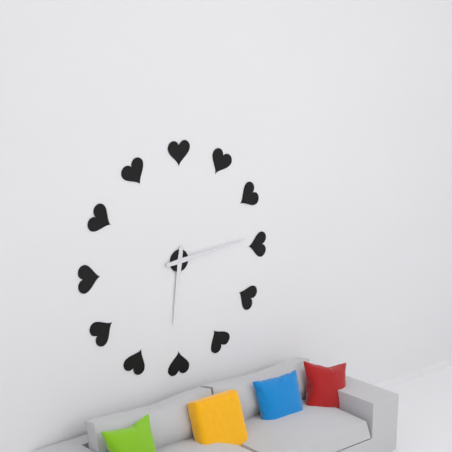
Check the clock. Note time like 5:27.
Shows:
6:14
